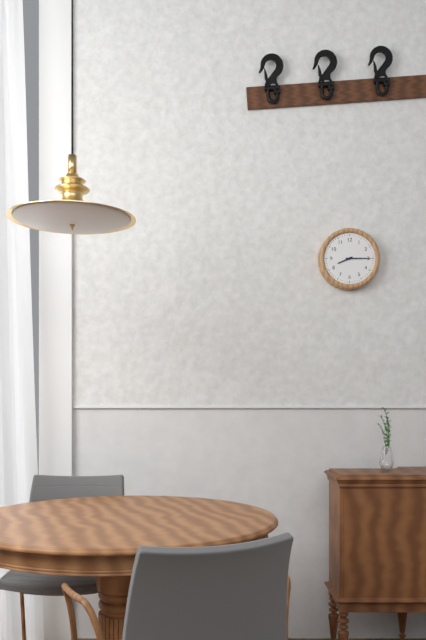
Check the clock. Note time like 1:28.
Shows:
8:15
